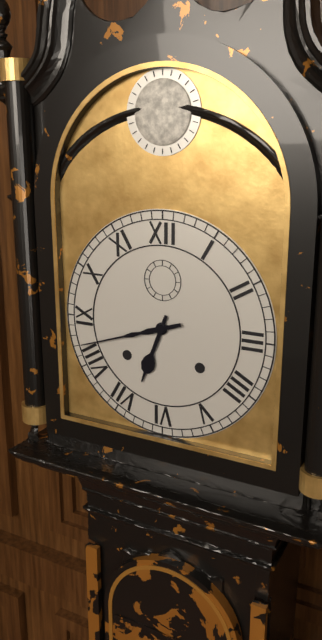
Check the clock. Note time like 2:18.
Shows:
6:42
